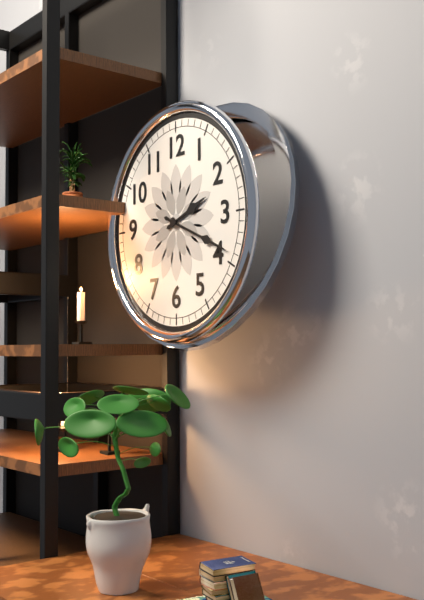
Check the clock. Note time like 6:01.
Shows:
2:19
